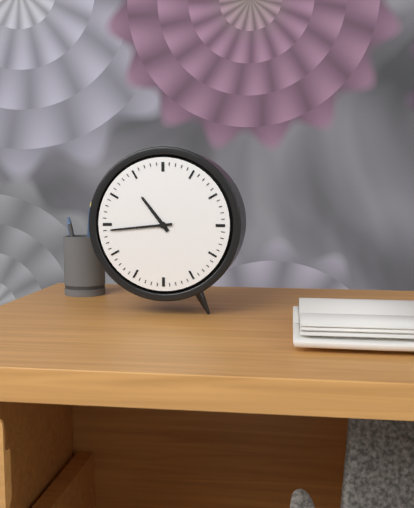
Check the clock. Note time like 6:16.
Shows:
10:44
